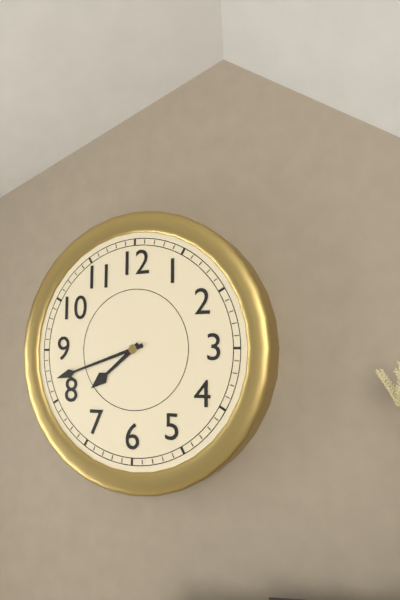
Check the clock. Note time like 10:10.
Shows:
7:42
